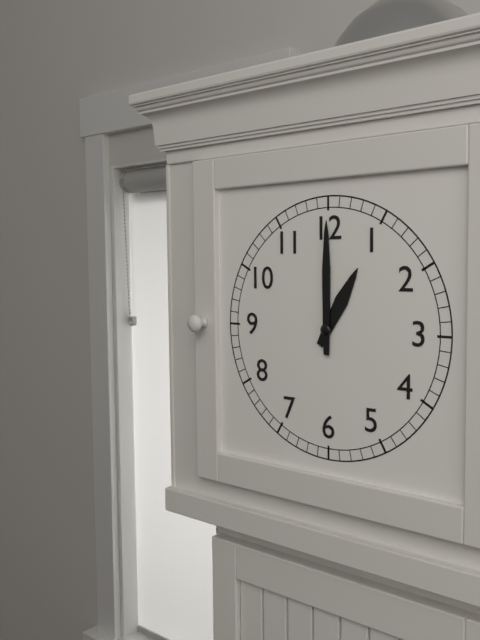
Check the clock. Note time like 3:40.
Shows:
1:00
